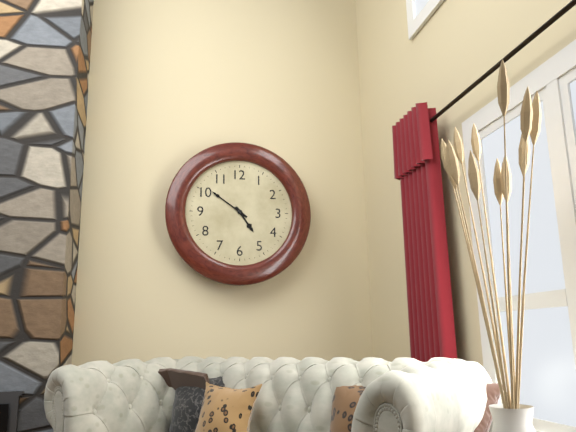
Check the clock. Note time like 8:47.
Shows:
4:51
